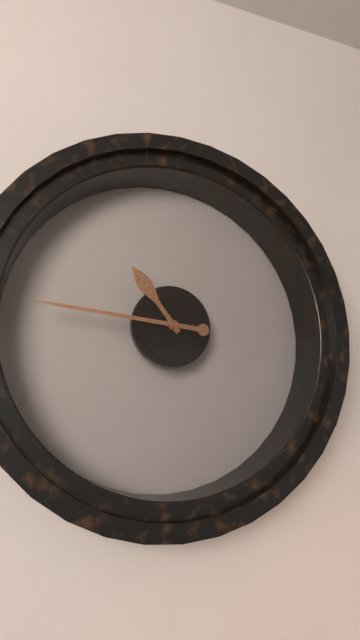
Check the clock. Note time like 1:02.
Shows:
10:46
